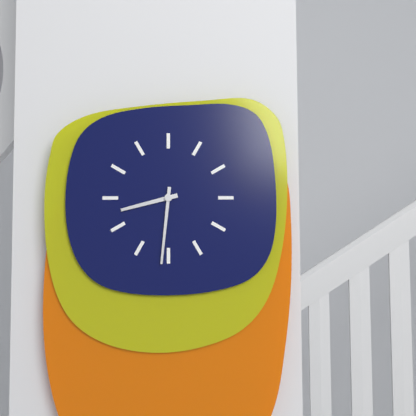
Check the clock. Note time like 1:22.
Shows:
8:31
